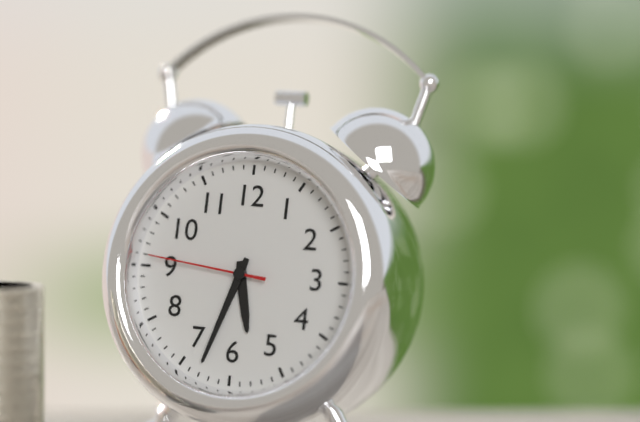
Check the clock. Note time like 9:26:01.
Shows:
5:33:46
